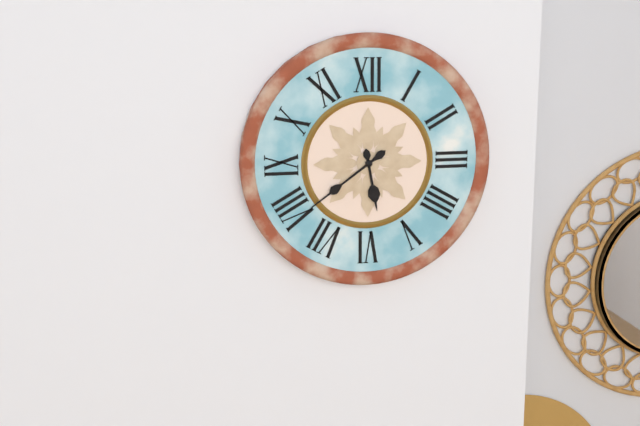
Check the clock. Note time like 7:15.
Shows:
5:39
